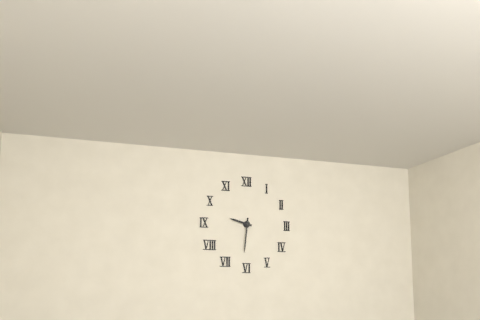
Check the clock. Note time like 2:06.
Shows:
9:31
